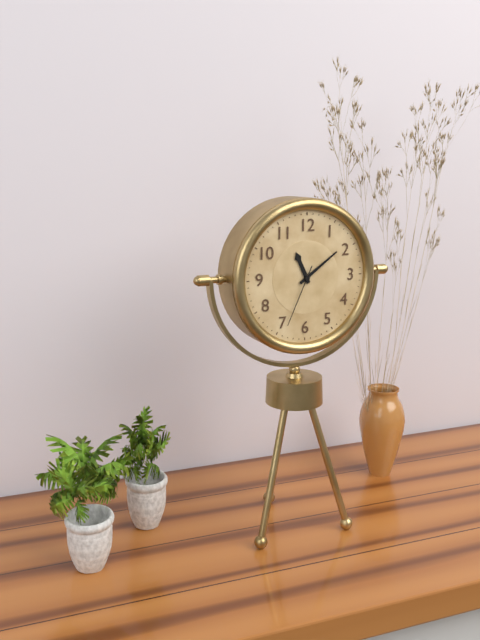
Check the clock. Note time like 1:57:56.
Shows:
11:09:34
